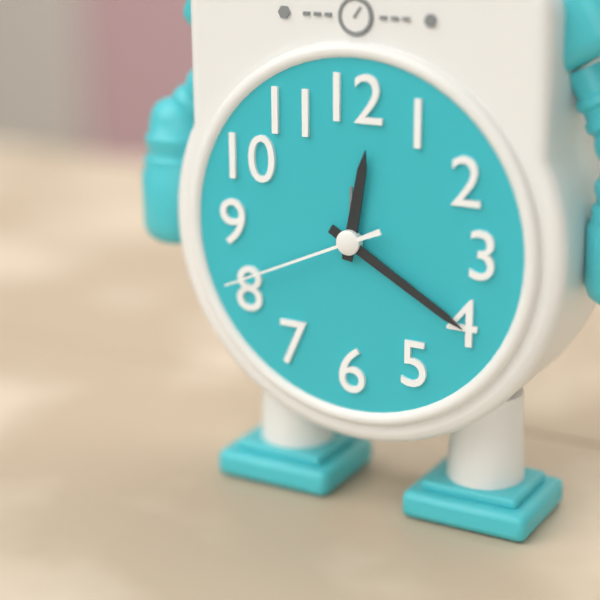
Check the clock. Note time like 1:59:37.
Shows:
12:20:41
